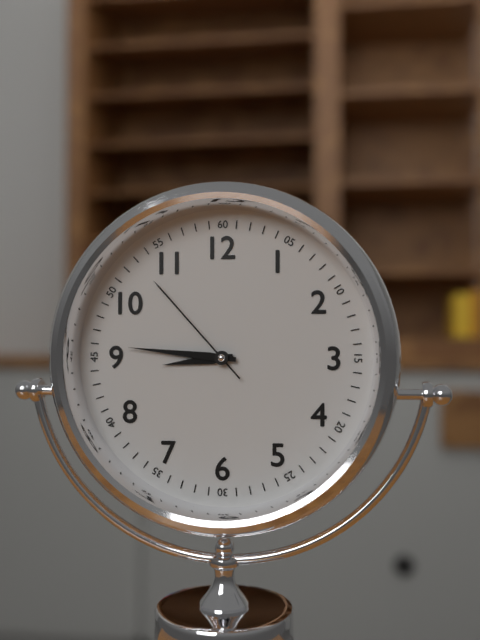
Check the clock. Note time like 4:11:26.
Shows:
8:46:53
